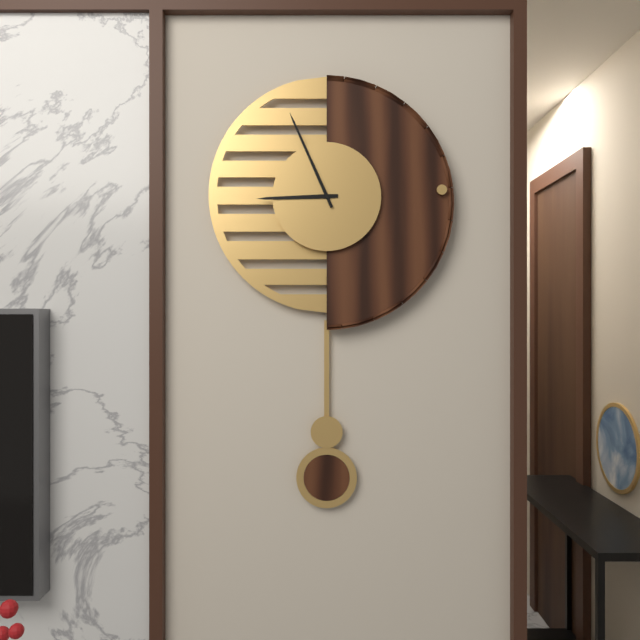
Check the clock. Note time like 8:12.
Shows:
8:56
